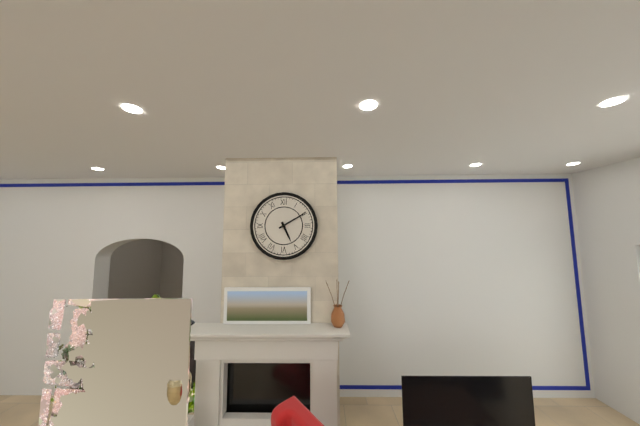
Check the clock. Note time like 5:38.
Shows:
5:10
